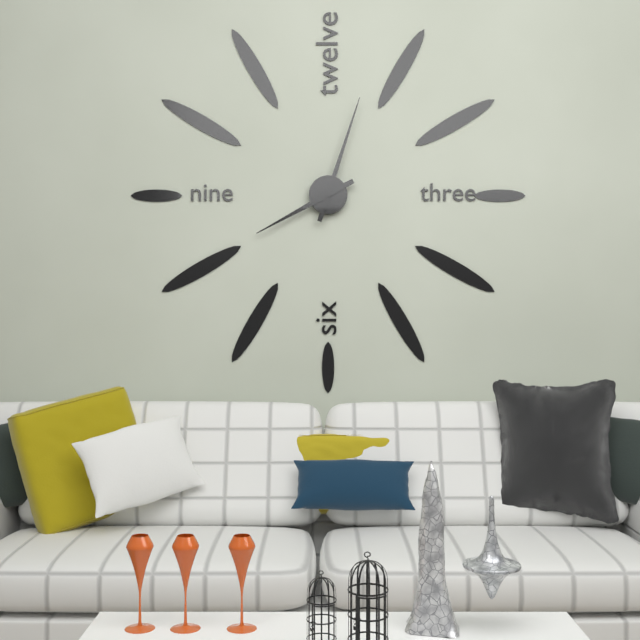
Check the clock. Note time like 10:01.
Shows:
8:03
